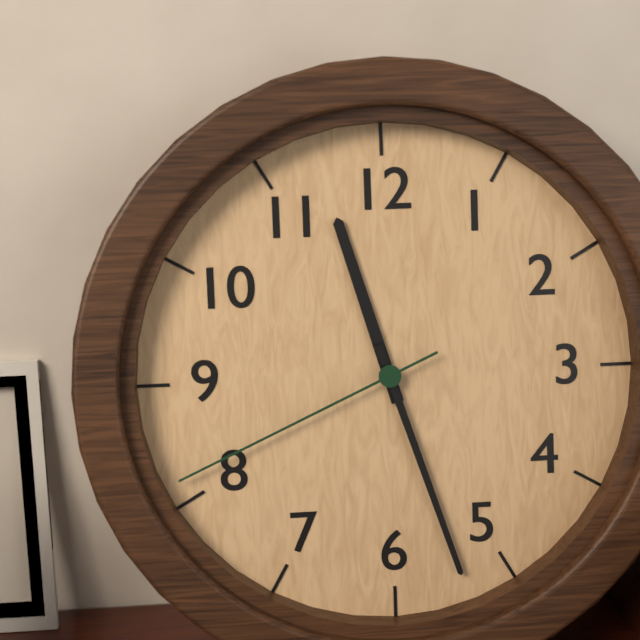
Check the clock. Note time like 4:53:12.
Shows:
11:27:41
